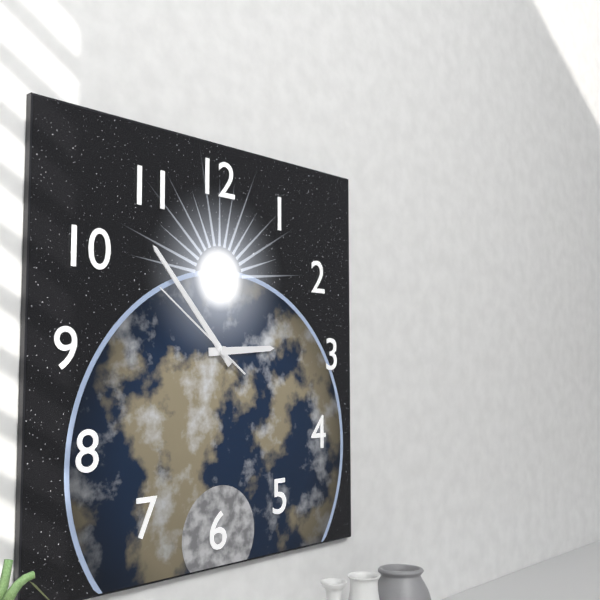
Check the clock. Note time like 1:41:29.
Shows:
2:53:51
